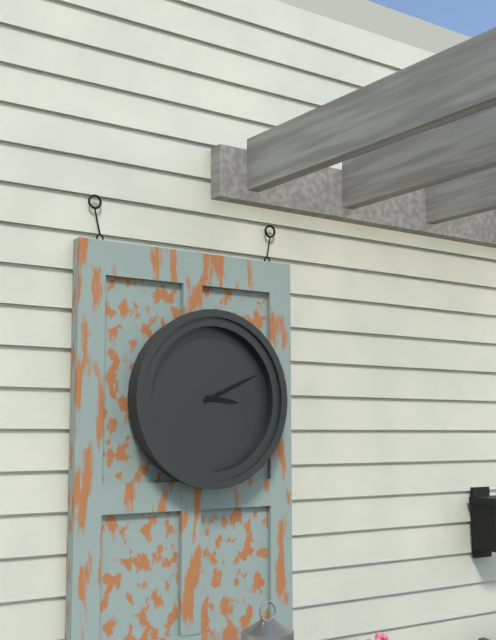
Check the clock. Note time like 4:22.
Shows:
3:11
